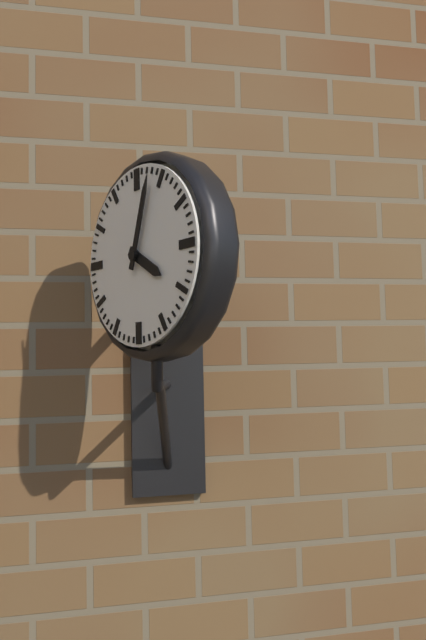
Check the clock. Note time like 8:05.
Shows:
4:03
